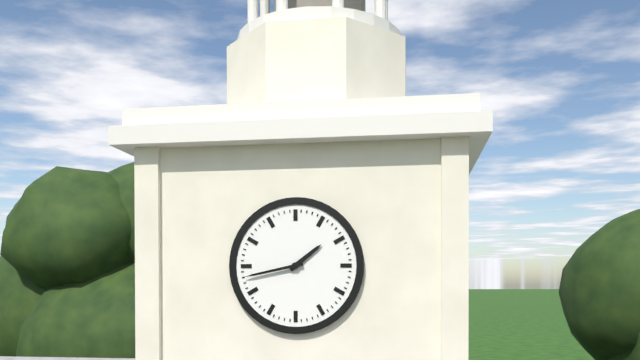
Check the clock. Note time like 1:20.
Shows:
1:43
